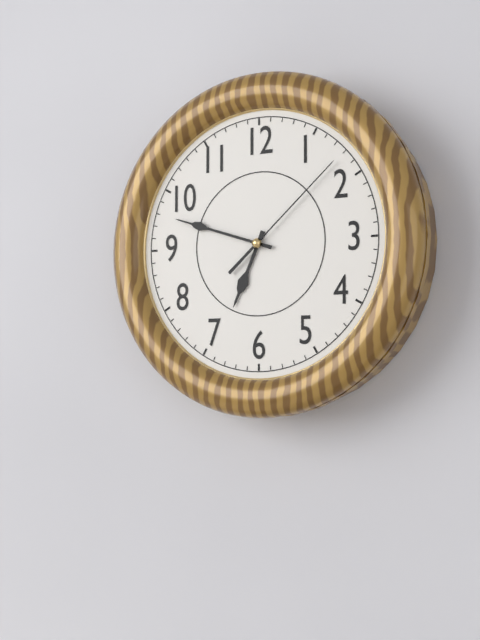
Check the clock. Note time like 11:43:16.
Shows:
6:48:08
